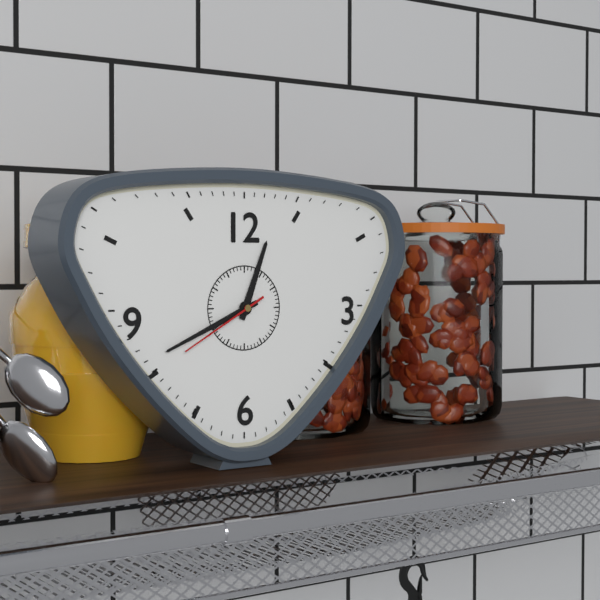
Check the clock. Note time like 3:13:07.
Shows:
12:41:40
